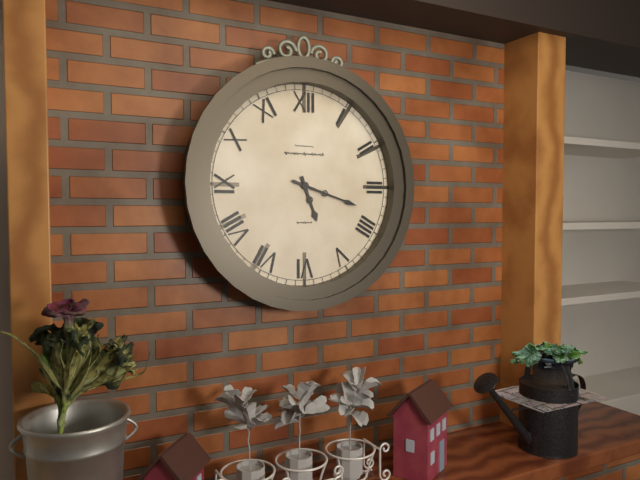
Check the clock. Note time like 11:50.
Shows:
5:18
